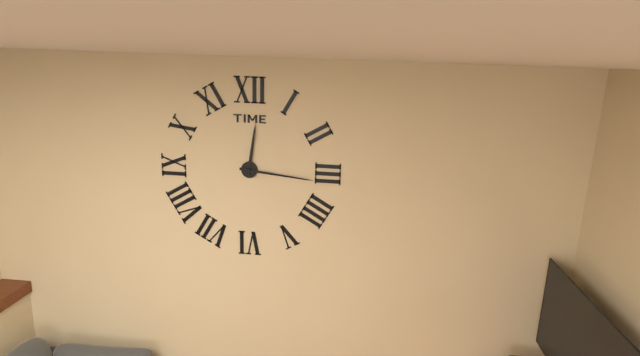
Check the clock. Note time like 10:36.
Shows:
12:16
